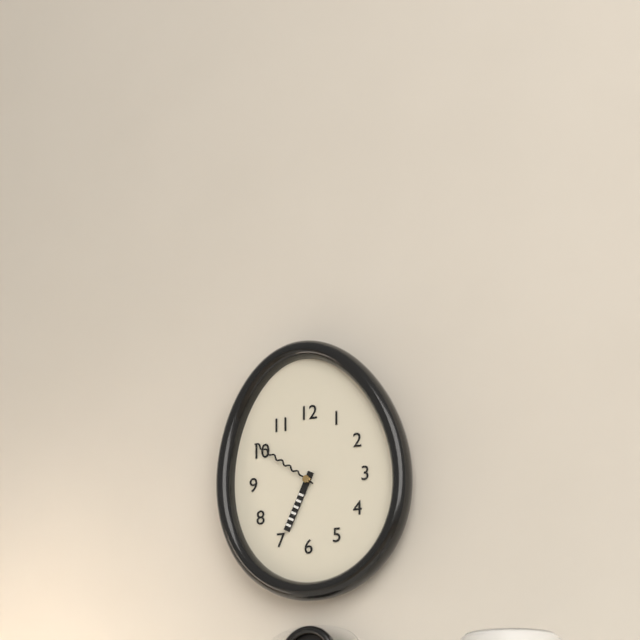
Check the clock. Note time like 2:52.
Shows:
6:51
